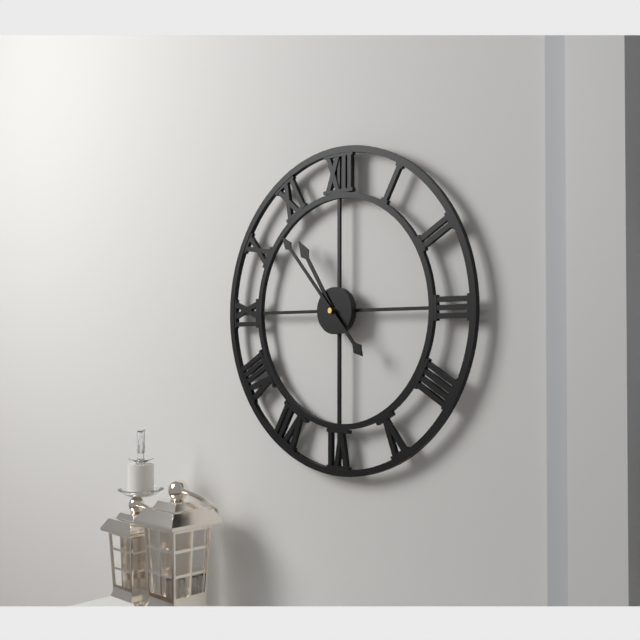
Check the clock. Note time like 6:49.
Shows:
10:53
